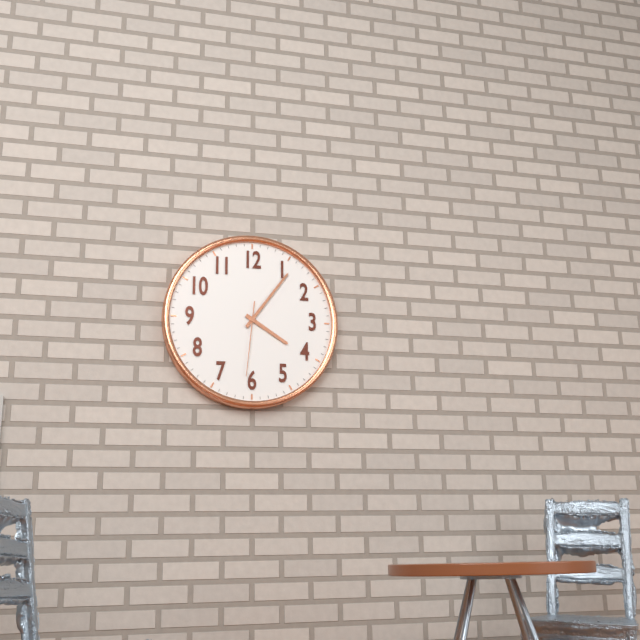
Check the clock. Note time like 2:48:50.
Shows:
4:06:31
